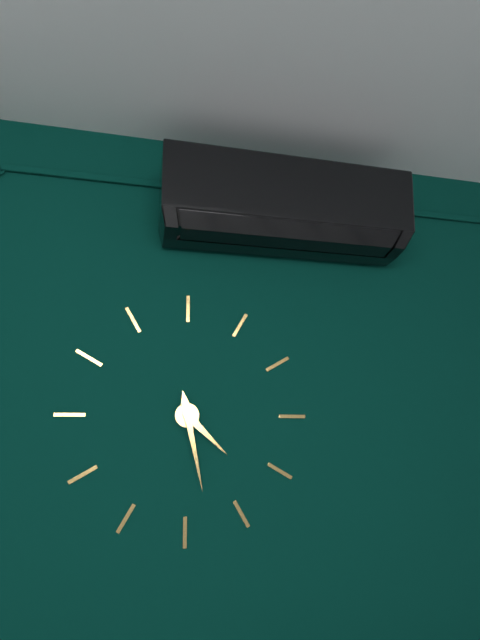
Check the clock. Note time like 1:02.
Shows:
4:28
